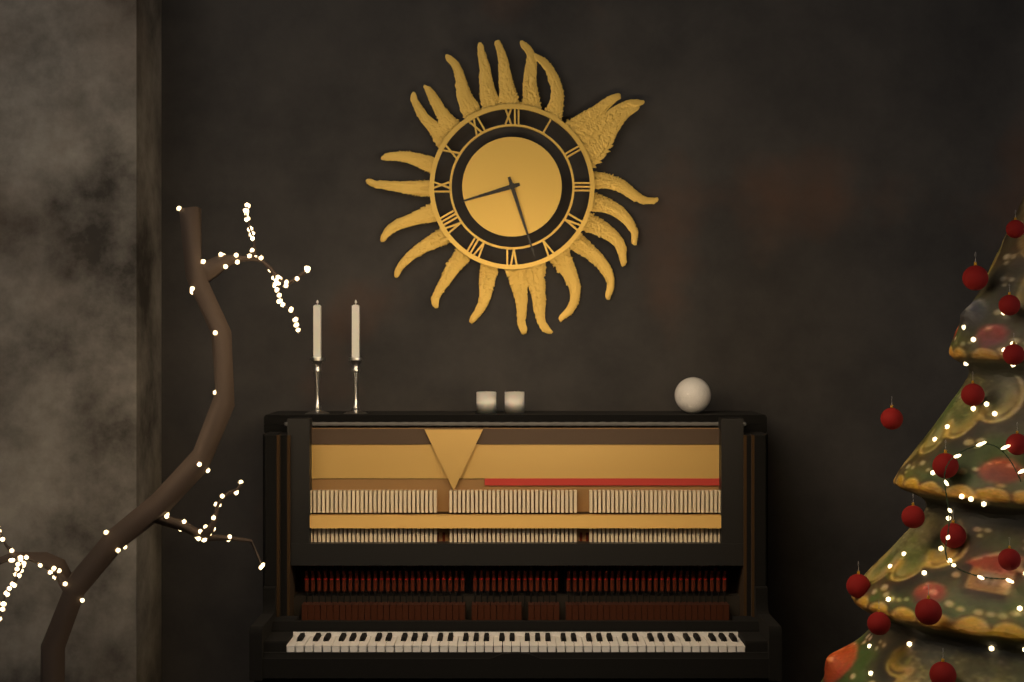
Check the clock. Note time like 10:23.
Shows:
8:27
